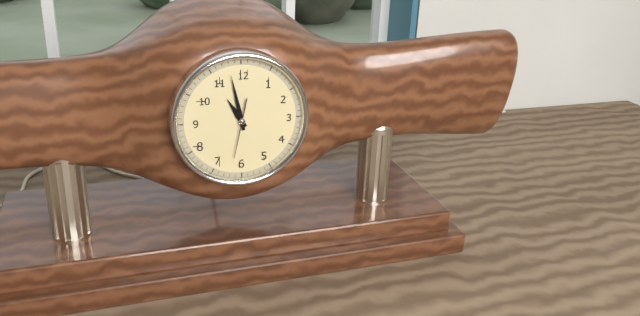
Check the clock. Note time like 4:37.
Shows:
10:58
